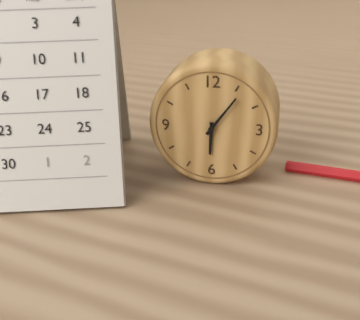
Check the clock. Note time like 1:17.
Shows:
6:06
